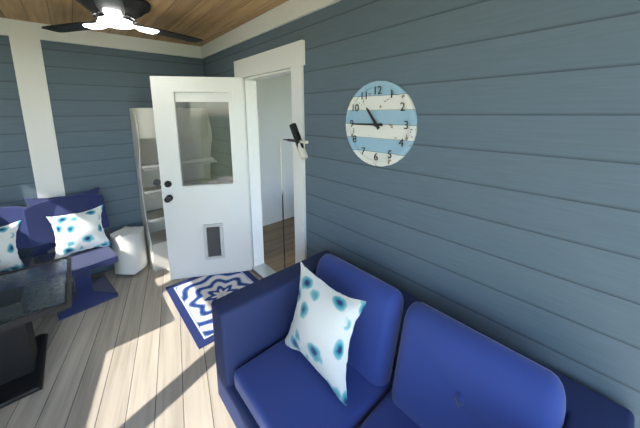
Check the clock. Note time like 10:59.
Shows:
10:45
